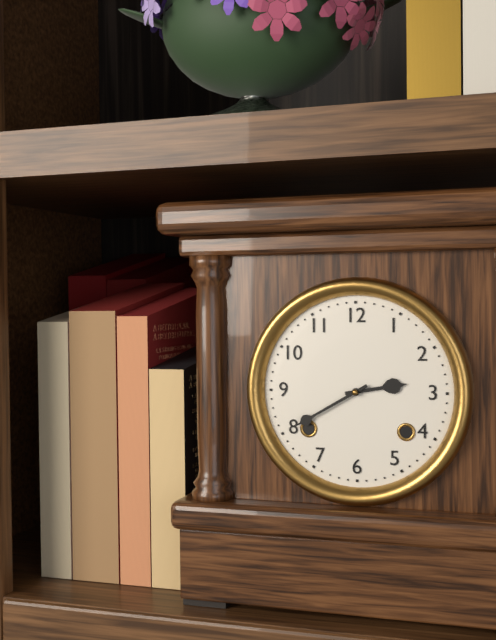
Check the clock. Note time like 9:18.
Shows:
2:40
